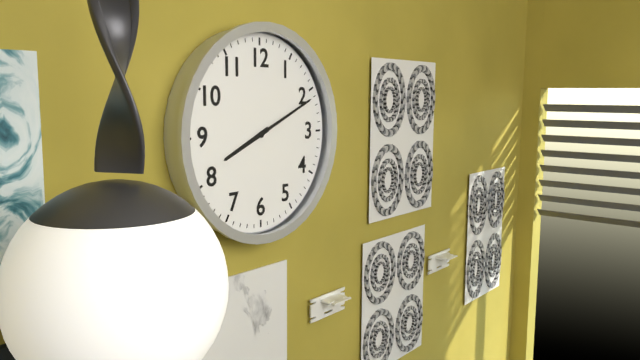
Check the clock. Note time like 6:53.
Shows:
8:11
